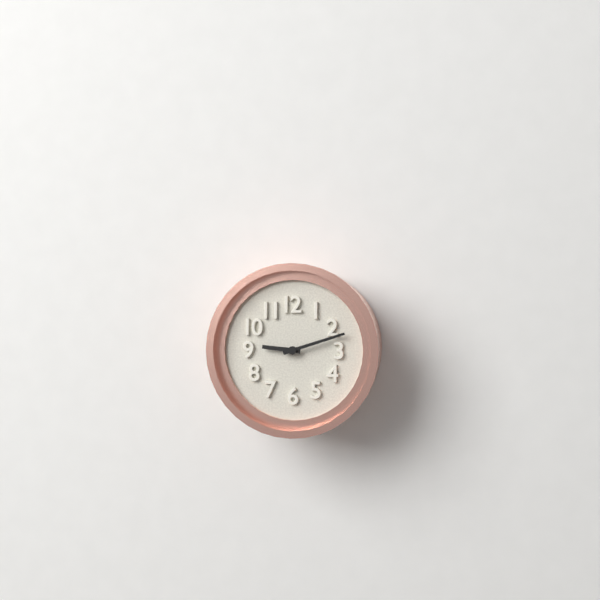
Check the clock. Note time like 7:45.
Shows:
9:12
